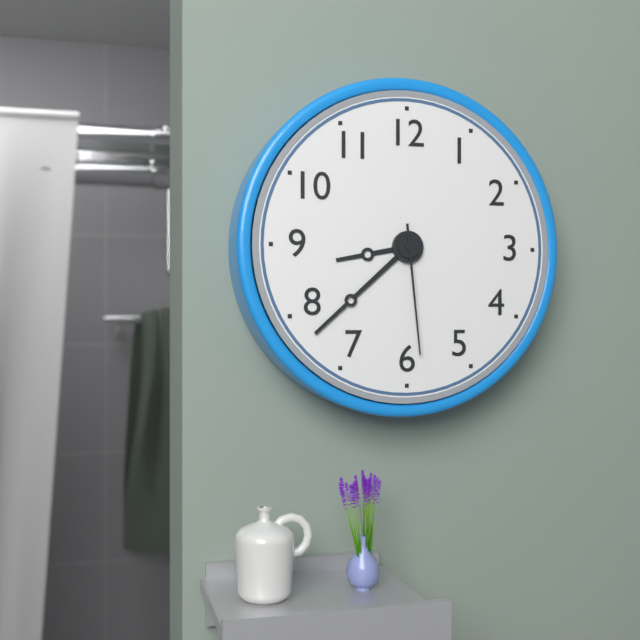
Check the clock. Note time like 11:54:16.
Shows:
8:38:29
